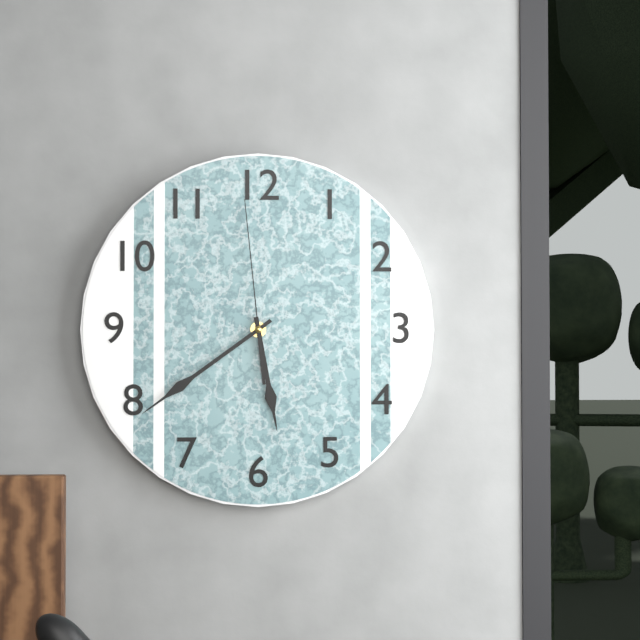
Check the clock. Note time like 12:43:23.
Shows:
5:39:59
